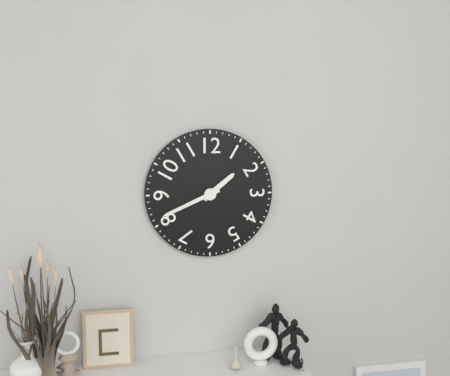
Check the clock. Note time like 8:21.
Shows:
1:41
